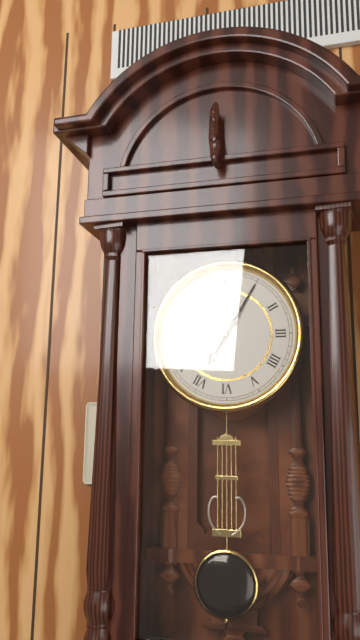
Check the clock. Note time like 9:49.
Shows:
7:05
